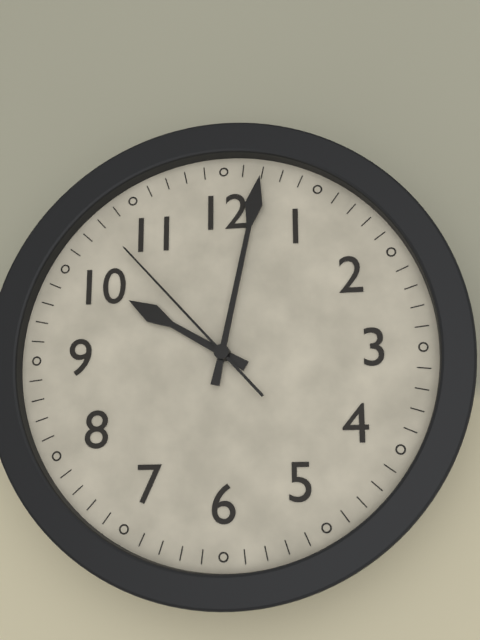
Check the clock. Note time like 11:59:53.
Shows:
10:02:53
